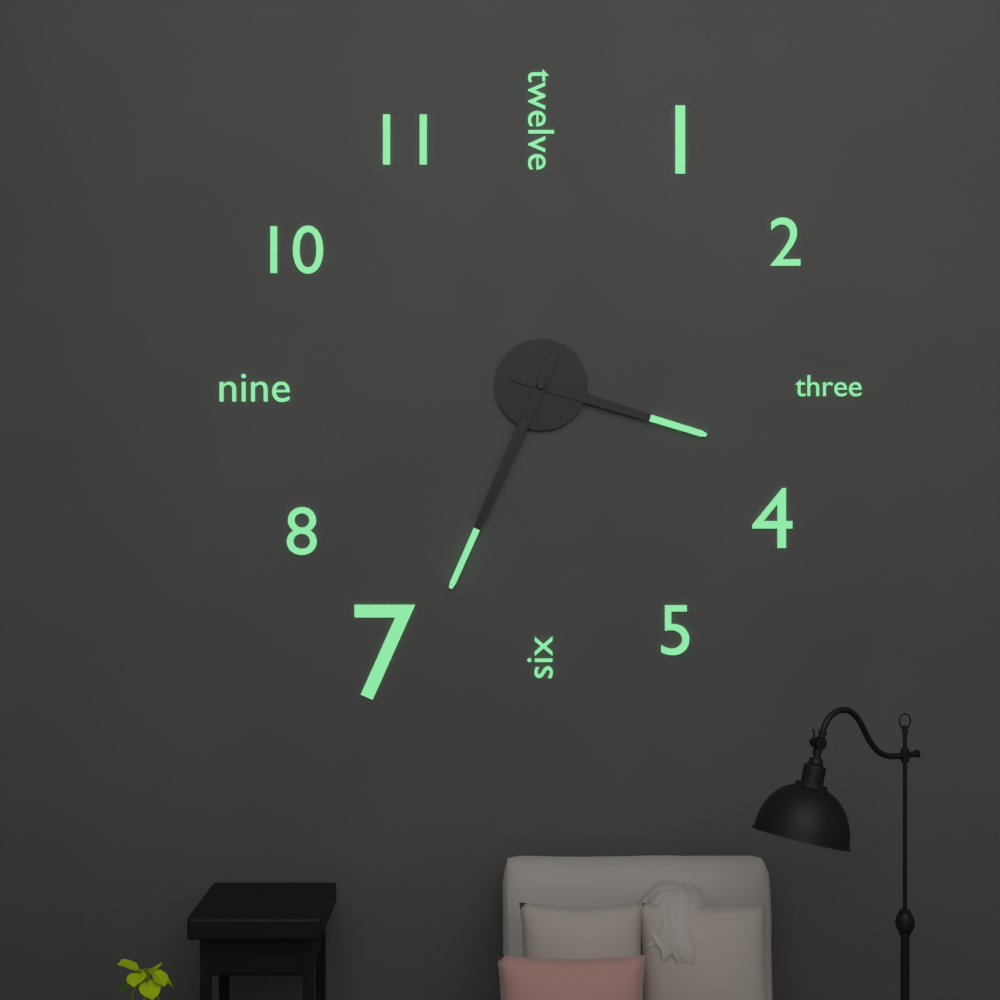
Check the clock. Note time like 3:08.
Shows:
3:34
